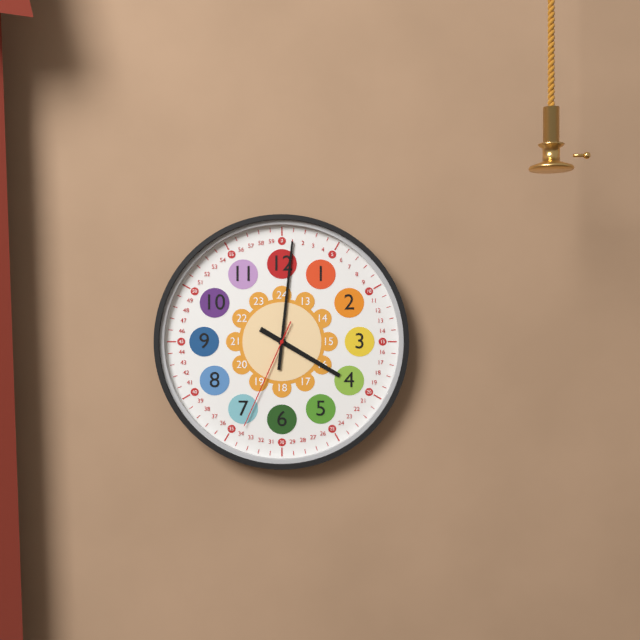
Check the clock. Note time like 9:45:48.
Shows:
4:01:34
